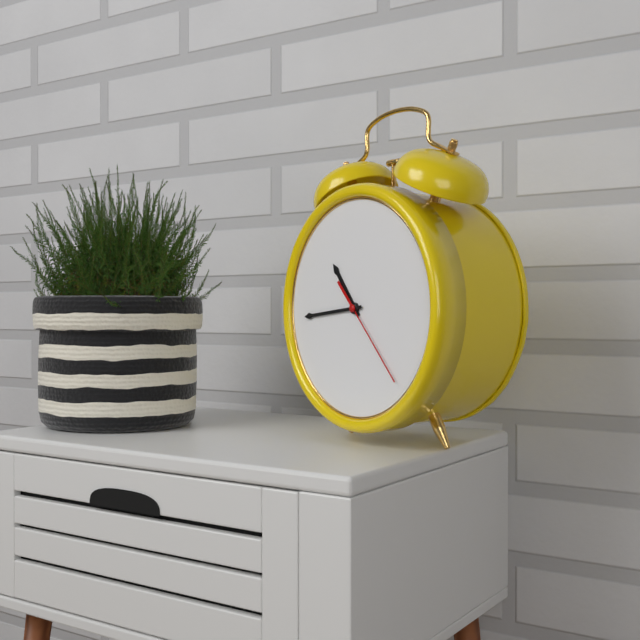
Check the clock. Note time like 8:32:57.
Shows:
10:44:23
